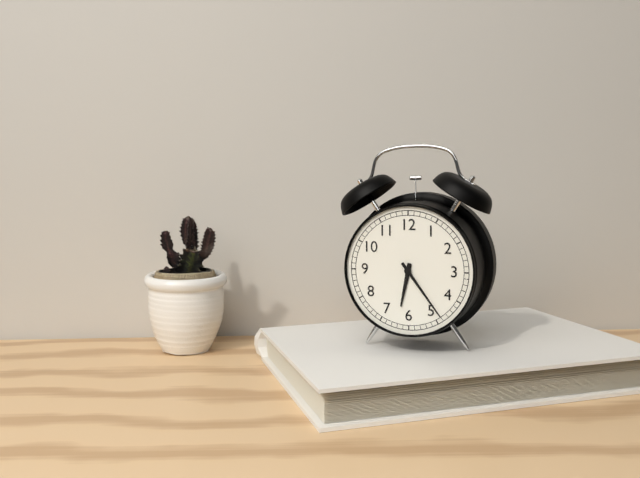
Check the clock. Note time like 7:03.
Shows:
6:24
